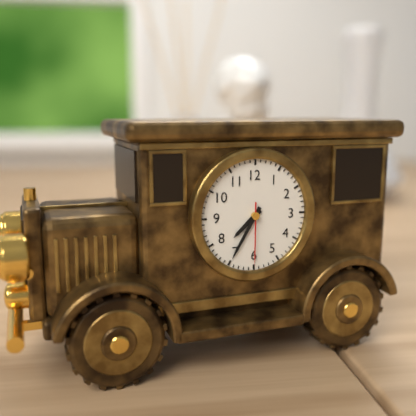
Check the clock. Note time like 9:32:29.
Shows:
7:35:30
